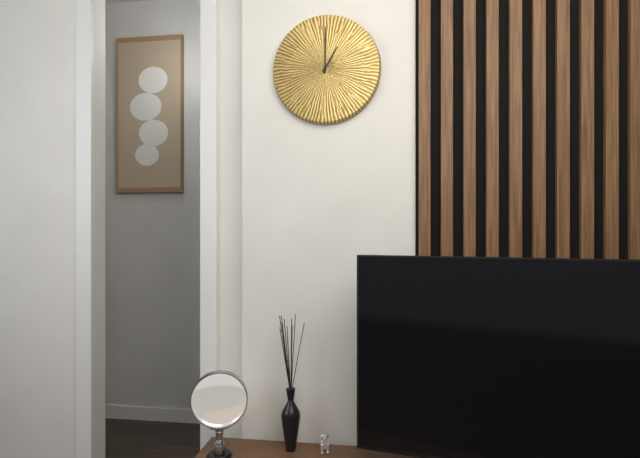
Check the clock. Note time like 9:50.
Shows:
1:00
